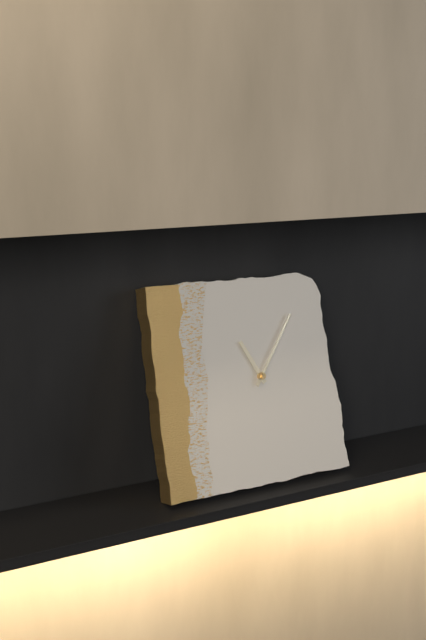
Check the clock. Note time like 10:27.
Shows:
11:06
